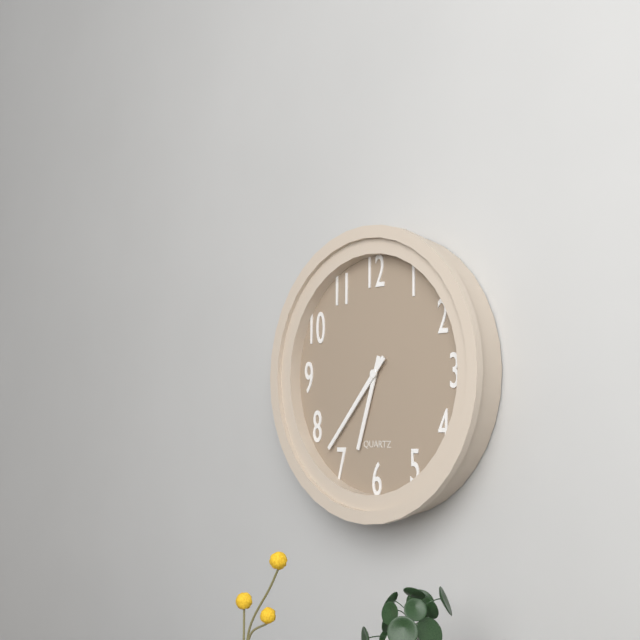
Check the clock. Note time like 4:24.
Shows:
6:37
